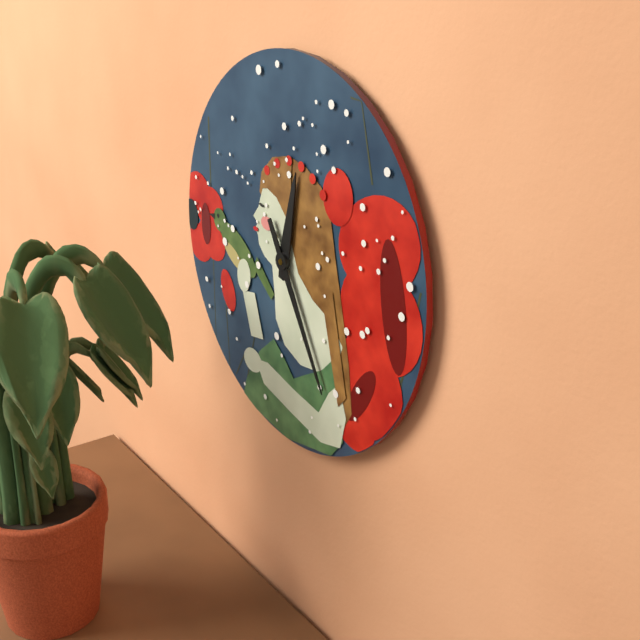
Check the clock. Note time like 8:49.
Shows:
12:25
